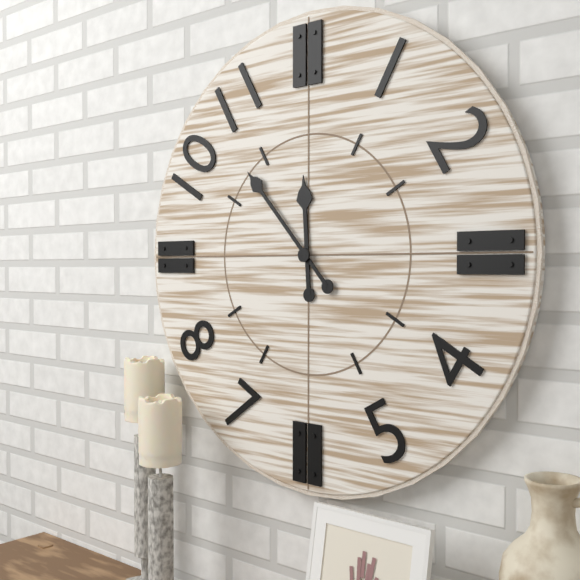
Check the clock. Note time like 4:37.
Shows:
11:53
